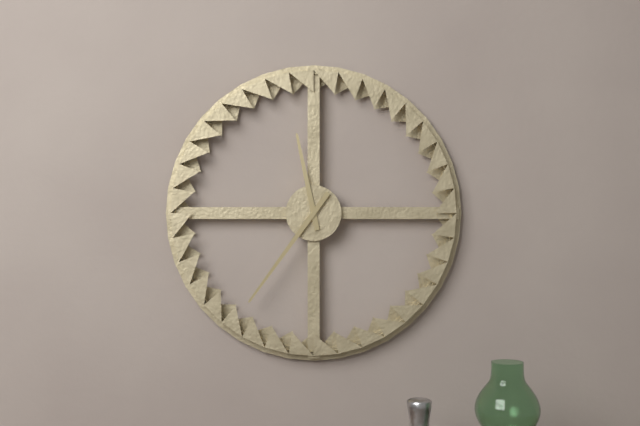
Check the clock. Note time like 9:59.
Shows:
11:36
